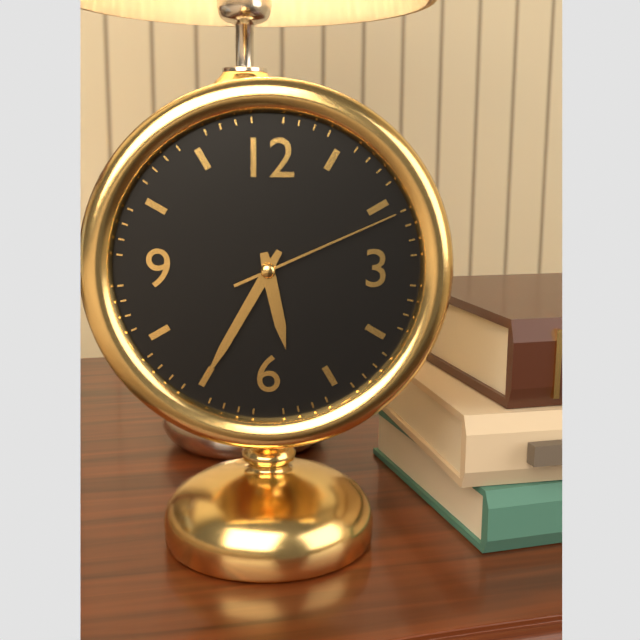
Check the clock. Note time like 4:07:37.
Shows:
5:35:11
